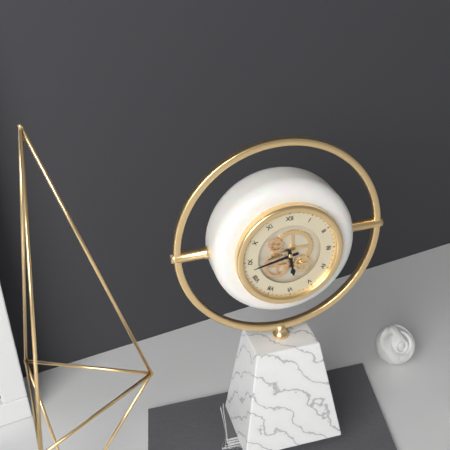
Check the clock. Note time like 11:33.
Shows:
5:43
